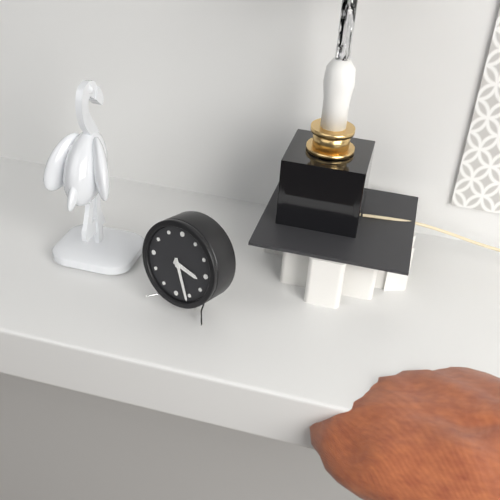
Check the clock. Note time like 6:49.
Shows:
3:26
